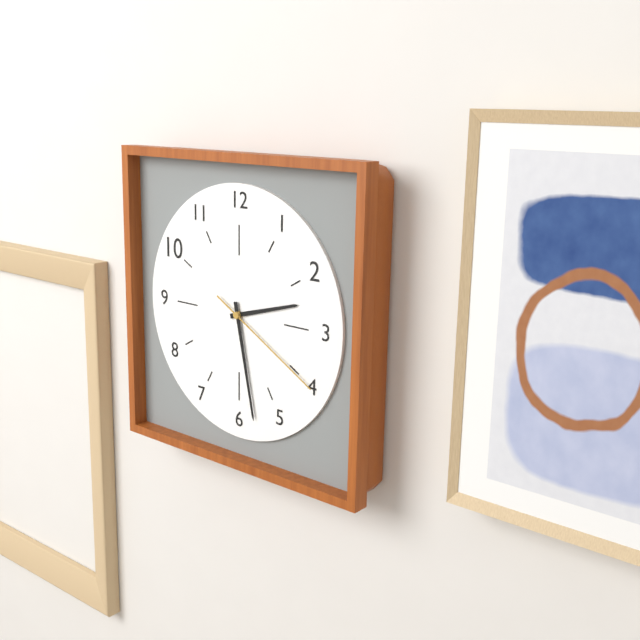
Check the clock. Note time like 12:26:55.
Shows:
2:28:20
